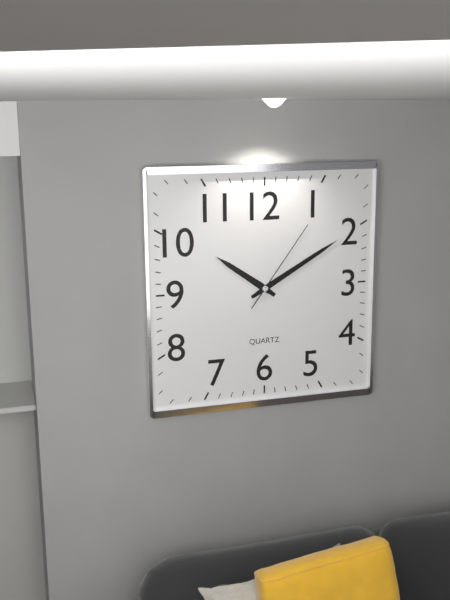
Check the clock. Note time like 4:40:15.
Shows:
10:10:06
